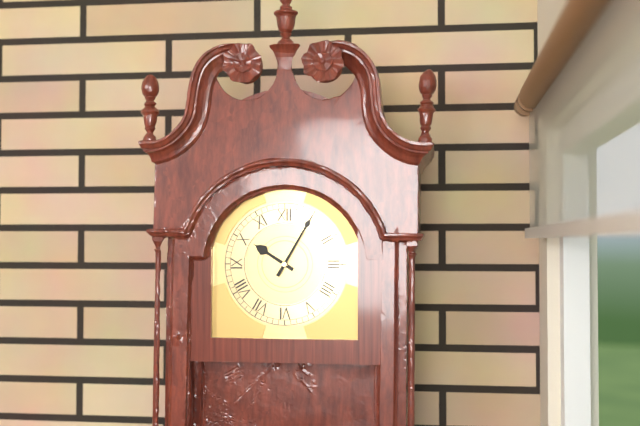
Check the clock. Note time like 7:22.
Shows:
10:05
